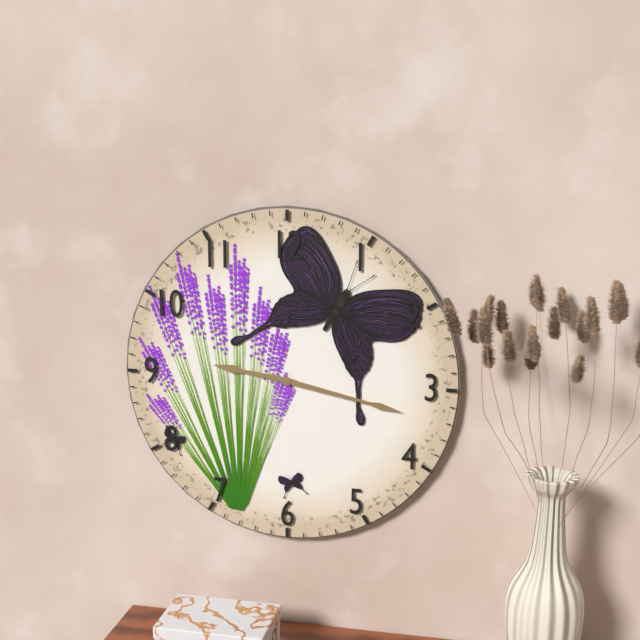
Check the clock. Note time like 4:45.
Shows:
9:17
